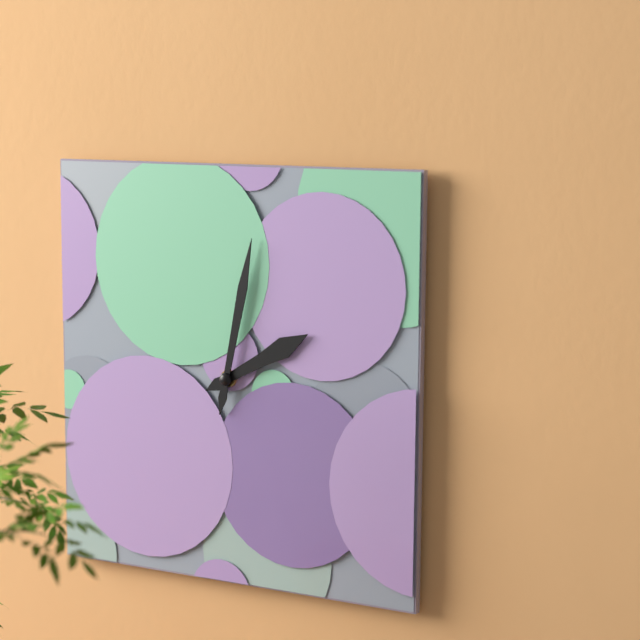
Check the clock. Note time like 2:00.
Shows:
2:02
